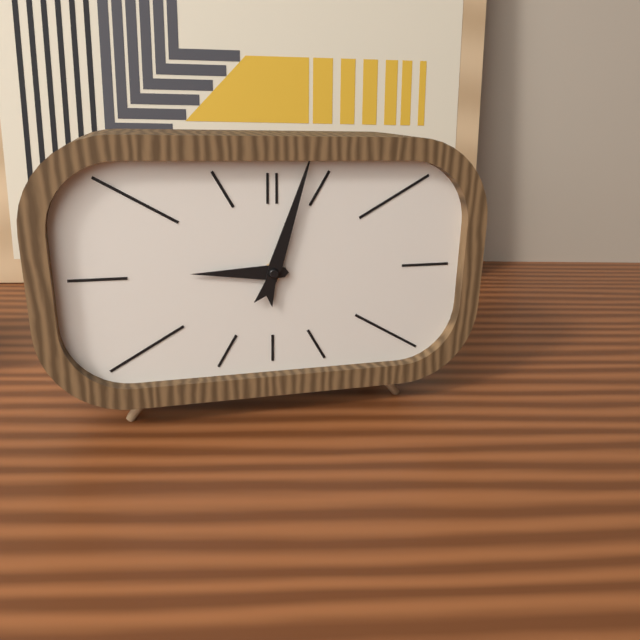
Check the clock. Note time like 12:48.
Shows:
9:03
